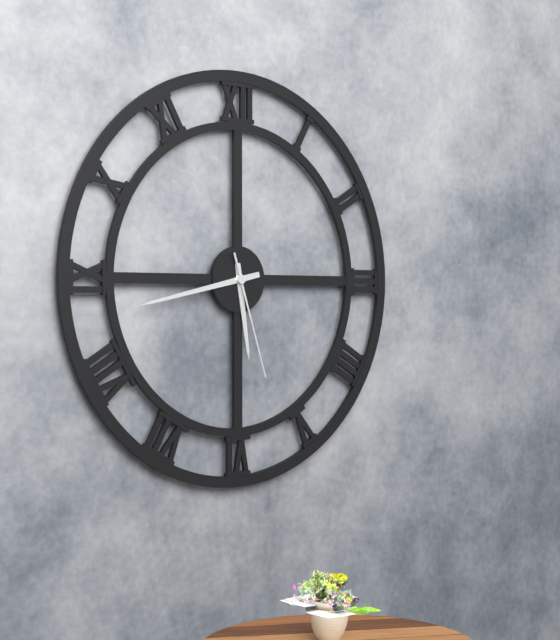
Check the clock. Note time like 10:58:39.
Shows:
5:43:27
